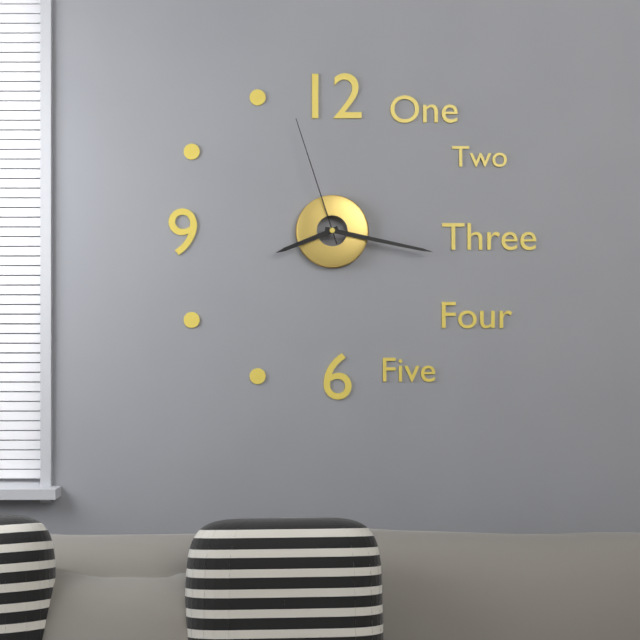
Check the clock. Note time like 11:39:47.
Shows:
8:17:57
